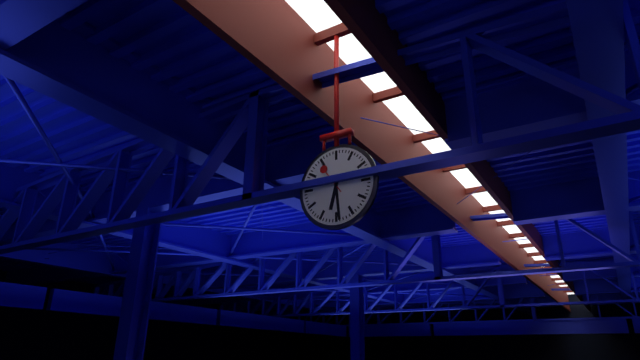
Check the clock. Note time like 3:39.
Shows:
6:29
